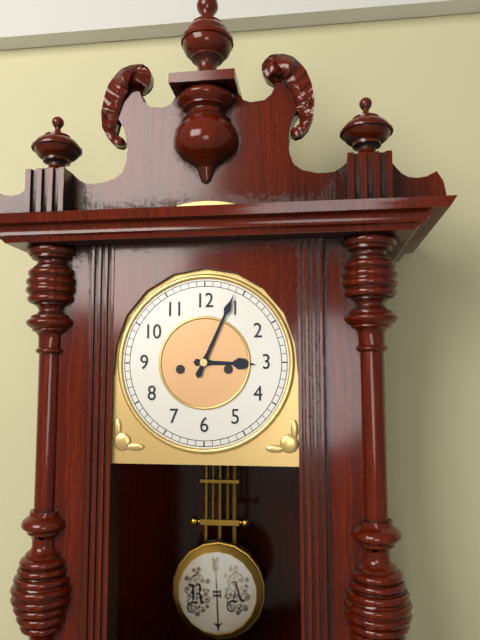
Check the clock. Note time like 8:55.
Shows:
3:04
